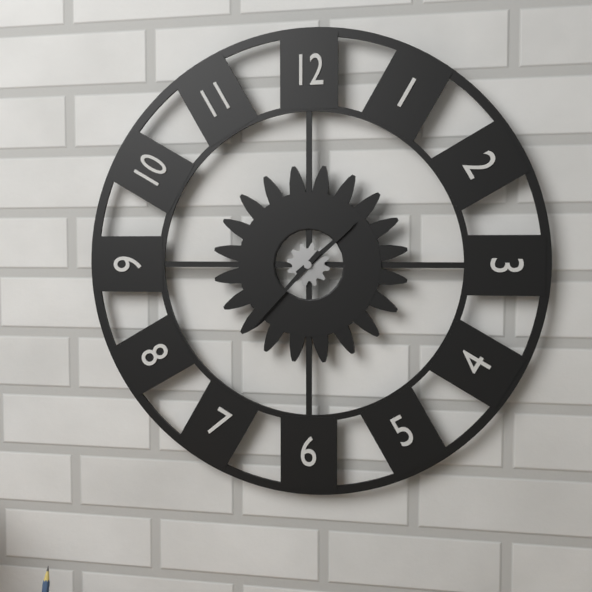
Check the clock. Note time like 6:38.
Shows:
1:37
